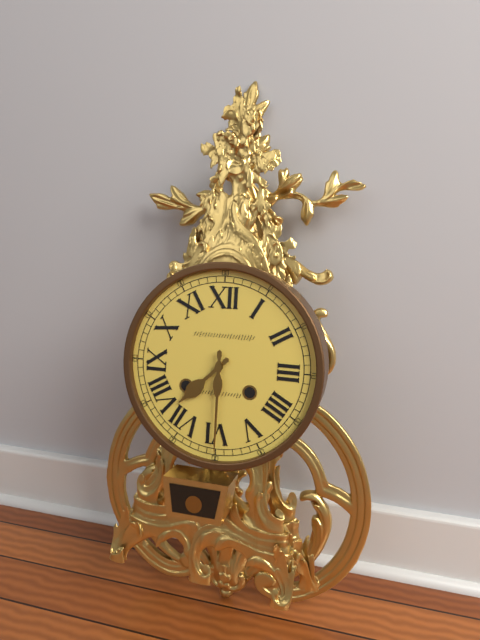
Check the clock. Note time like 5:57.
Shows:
7:30
